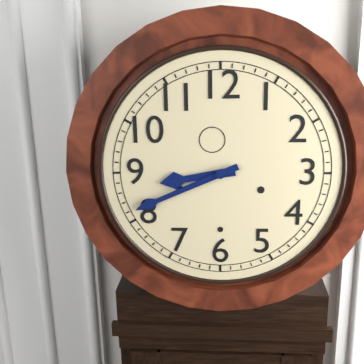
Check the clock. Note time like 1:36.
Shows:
8:41
